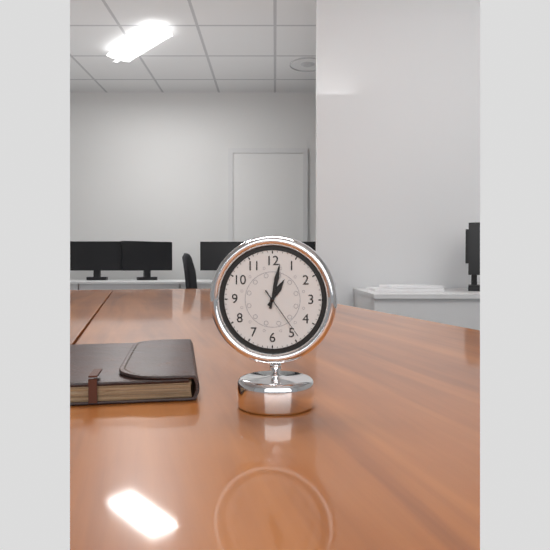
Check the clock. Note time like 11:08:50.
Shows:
1:02:24
